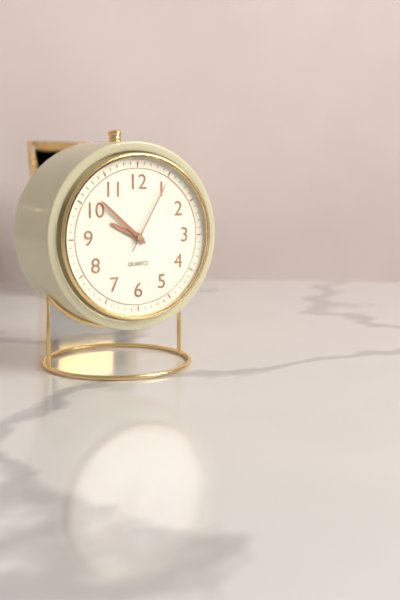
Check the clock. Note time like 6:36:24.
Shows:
9:52:05
